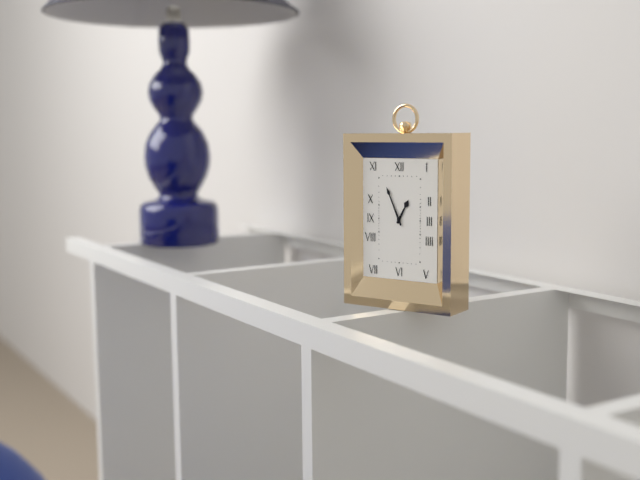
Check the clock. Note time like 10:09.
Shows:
12:56
